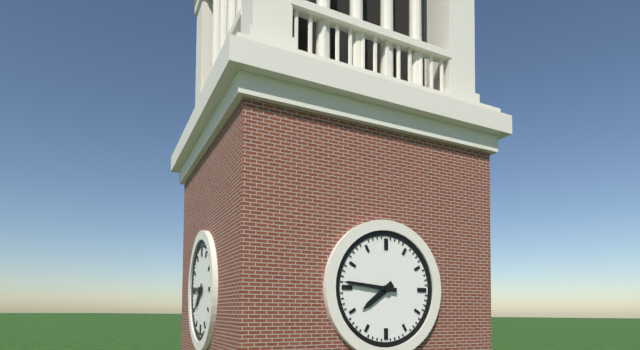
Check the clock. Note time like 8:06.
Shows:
7:46
